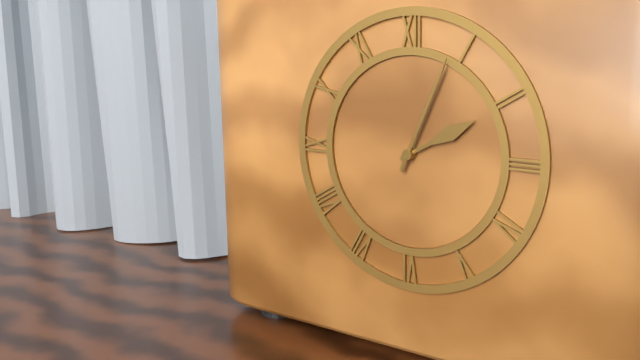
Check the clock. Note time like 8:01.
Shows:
2:04
